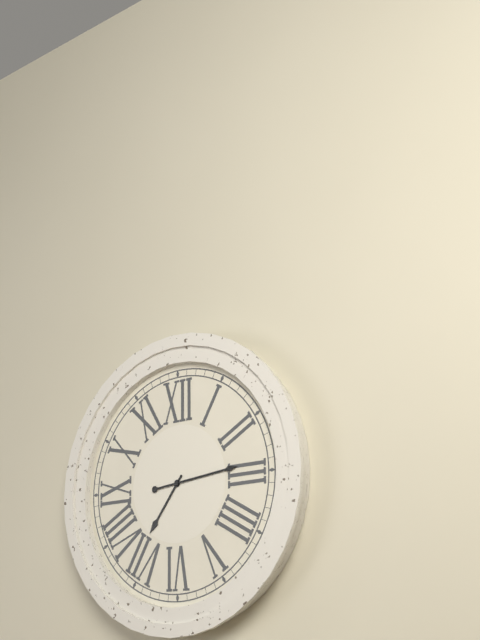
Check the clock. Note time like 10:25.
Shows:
7:14
